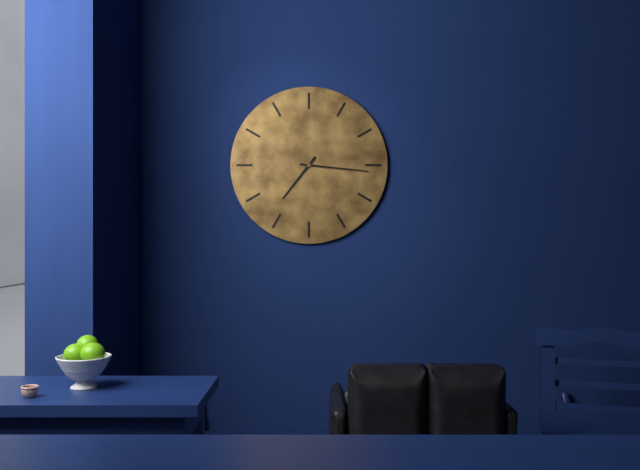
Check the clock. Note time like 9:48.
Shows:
7:16
